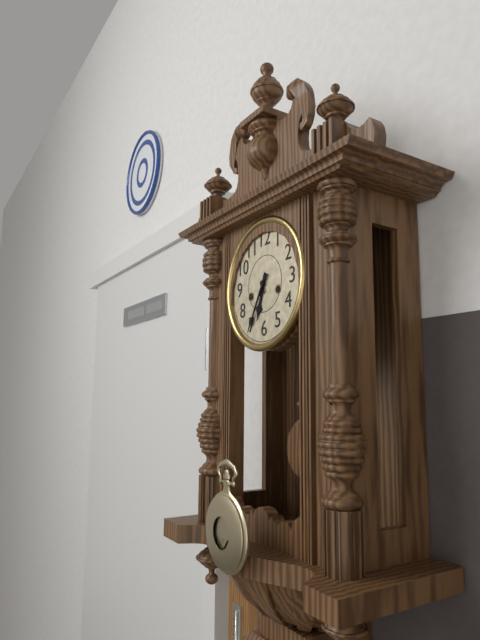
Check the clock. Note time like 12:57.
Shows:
6:35
